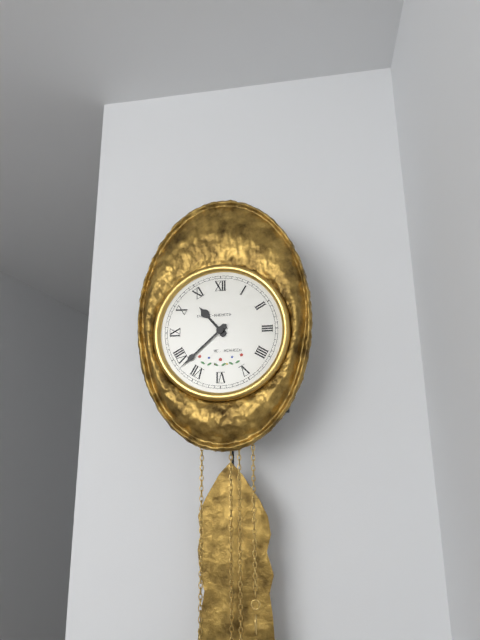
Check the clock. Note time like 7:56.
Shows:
10:38
